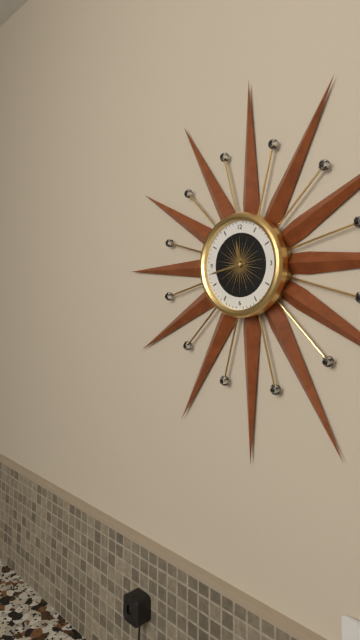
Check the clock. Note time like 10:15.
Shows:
11:43
